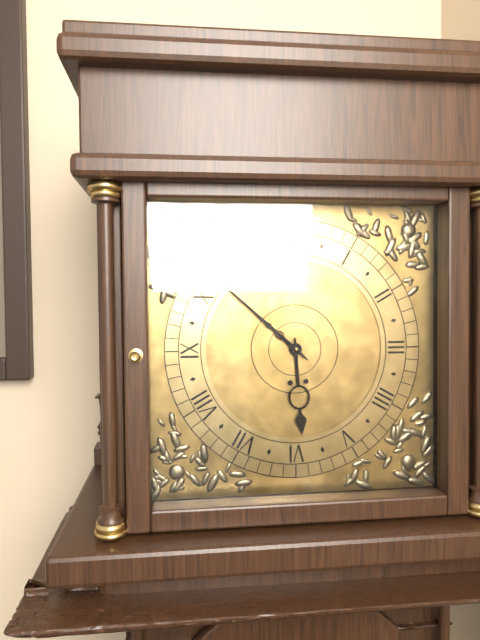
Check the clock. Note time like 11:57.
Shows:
5:52
